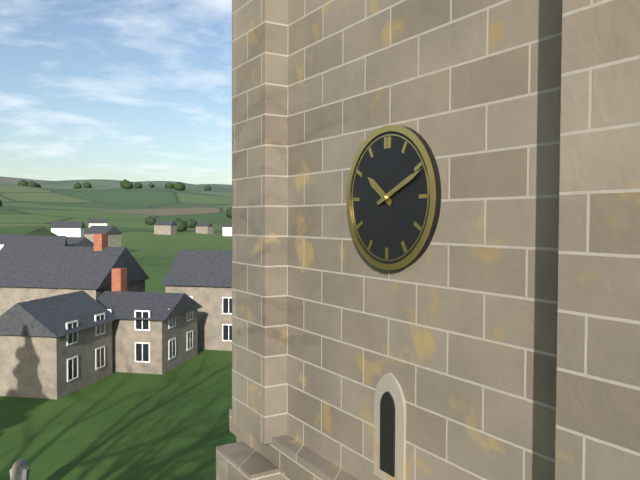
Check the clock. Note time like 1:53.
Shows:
10:11
